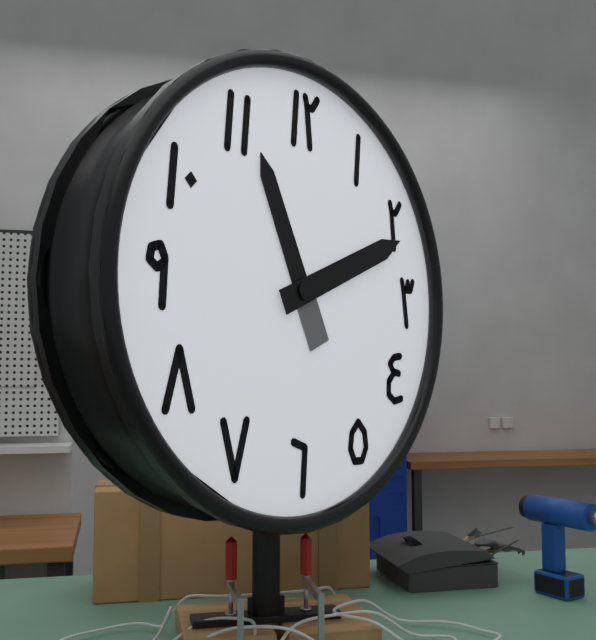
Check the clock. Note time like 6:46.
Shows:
11:11
